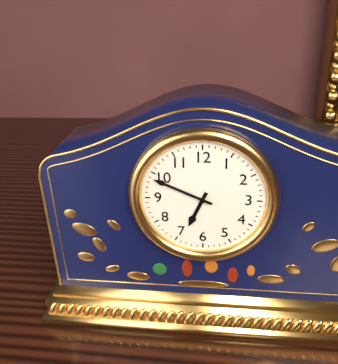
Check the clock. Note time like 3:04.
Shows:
6:49
